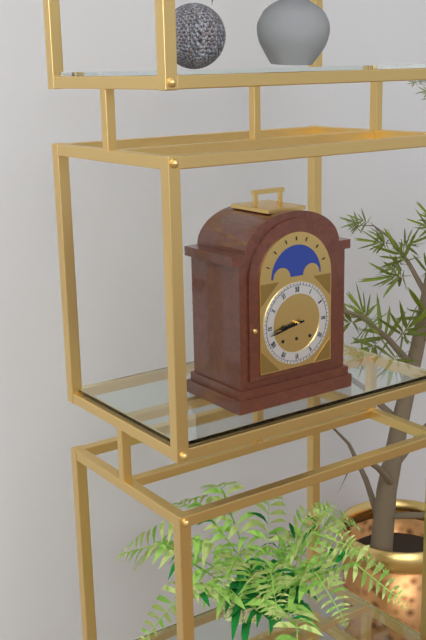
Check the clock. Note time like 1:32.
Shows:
8:43
